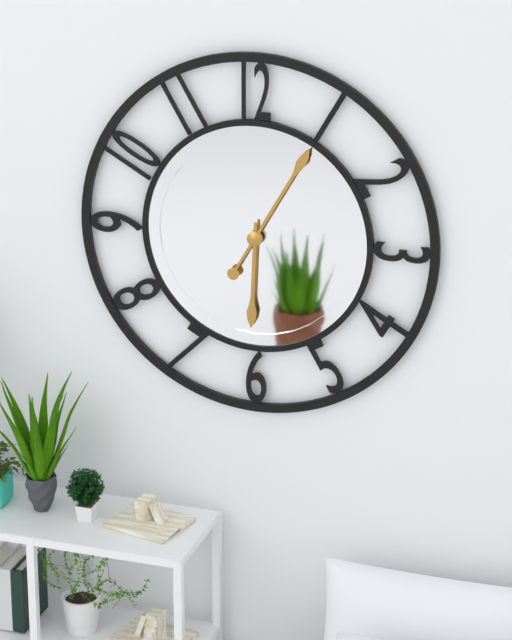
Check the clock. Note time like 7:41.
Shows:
6:05
